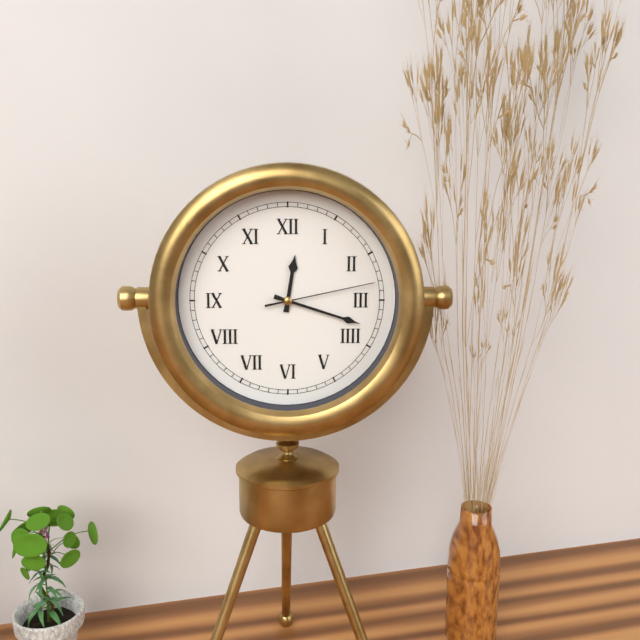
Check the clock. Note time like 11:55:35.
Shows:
12:18:13
